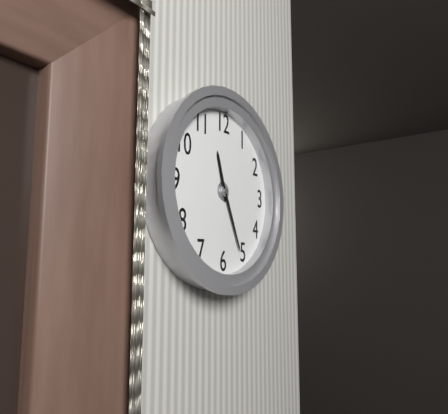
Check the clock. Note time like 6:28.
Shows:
11:26
